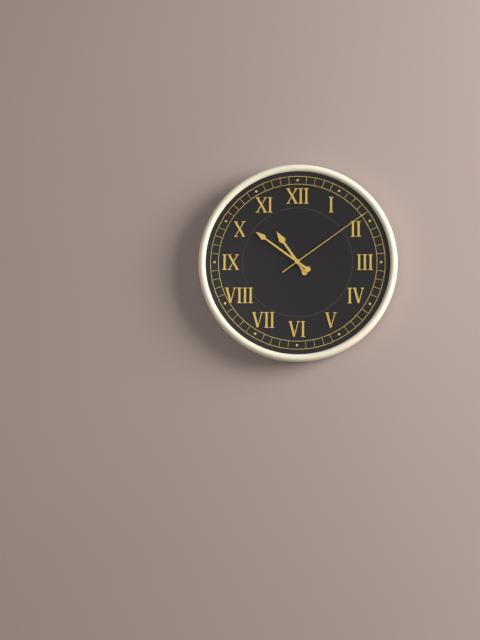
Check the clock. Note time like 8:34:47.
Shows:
10:51:09
